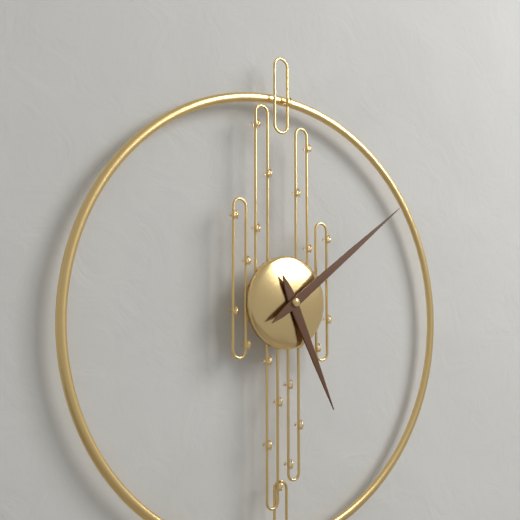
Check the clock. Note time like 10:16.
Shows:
5:09
